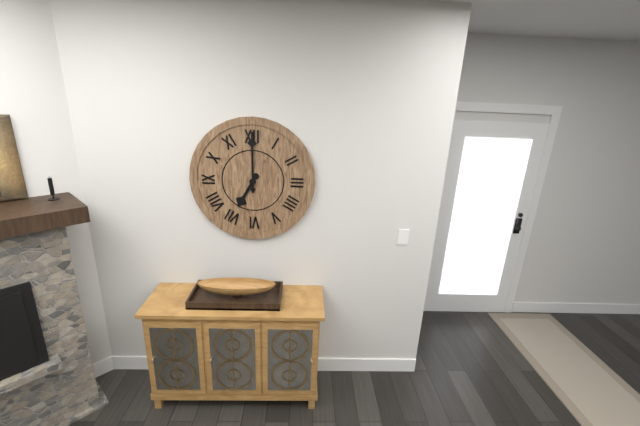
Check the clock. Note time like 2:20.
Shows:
7:00
